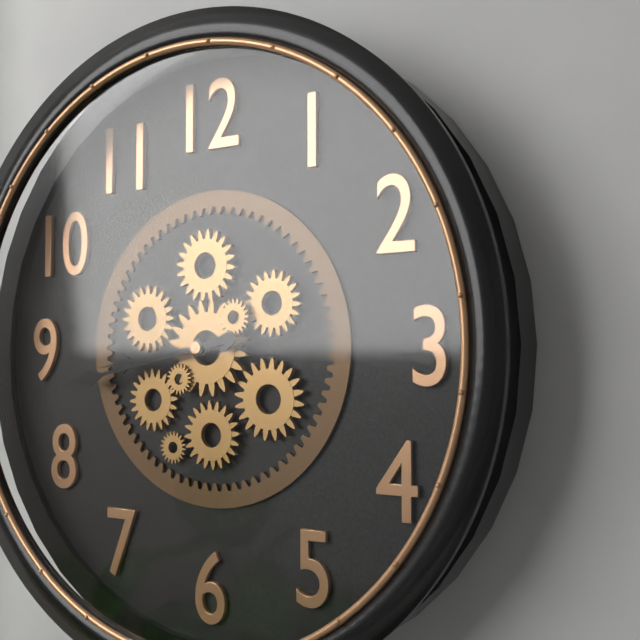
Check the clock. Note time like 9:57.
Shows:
8:43
